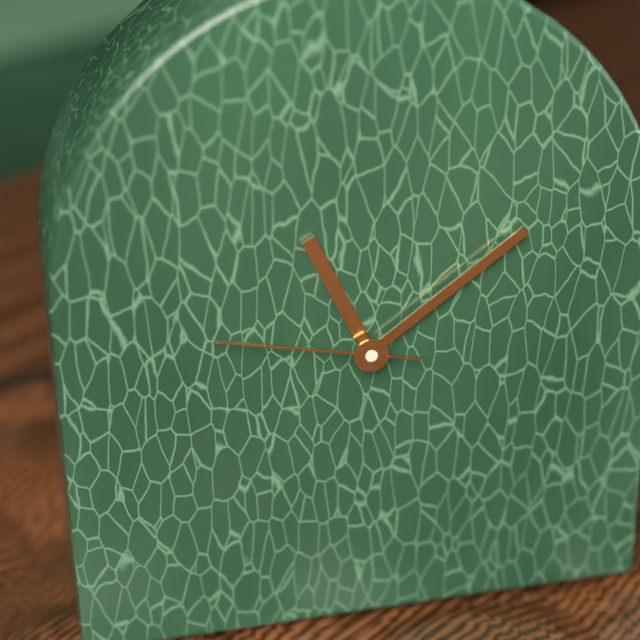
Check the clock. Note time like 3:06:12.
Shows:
11:09:47
